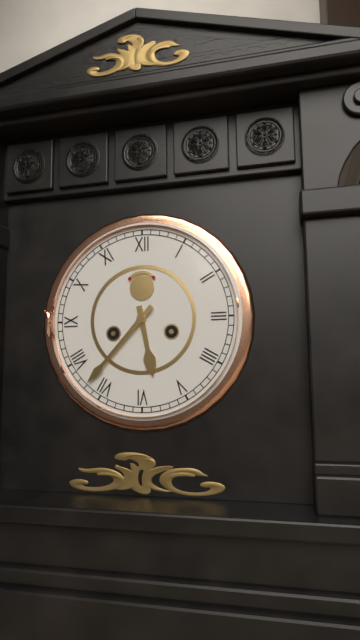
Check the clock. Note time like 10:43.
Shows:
5:37
